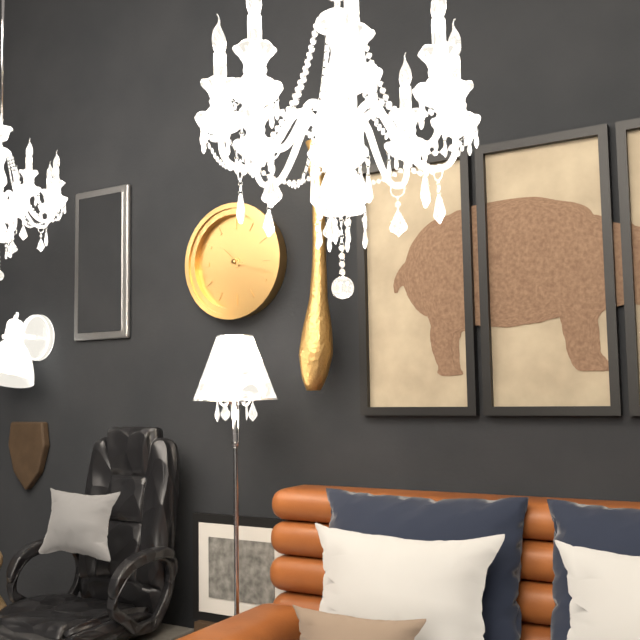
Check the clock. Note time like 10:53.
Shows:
10:18
